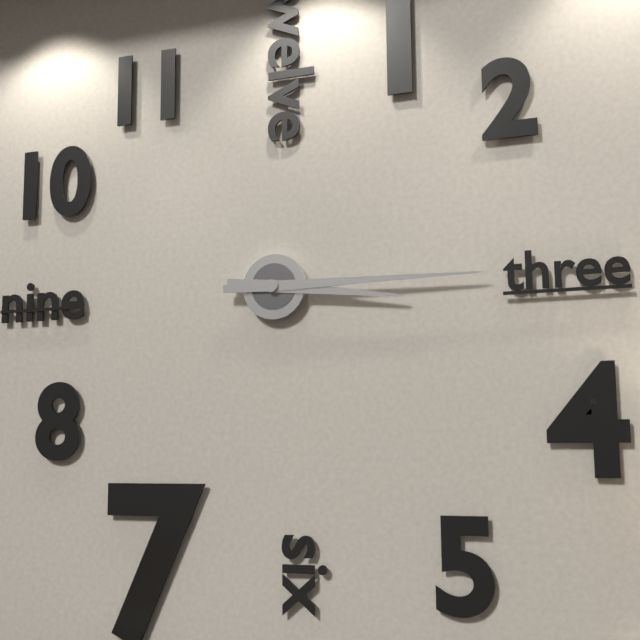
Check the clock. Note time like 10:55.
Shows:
3:15
